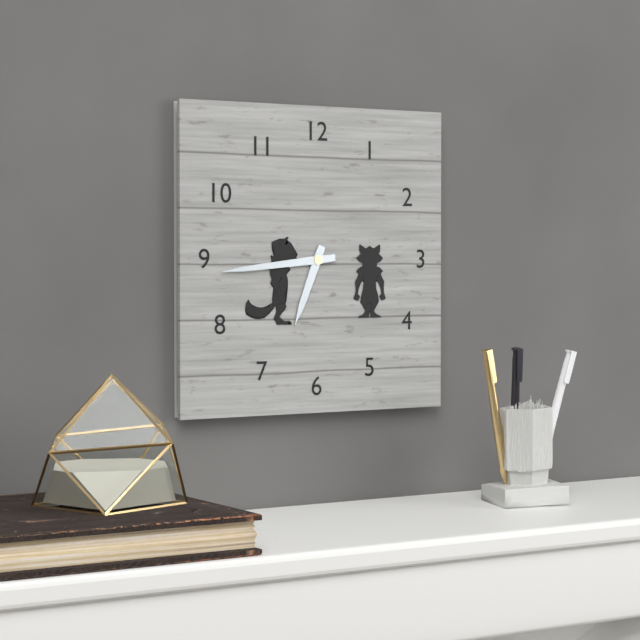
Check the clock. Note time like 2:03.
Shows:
6:44
